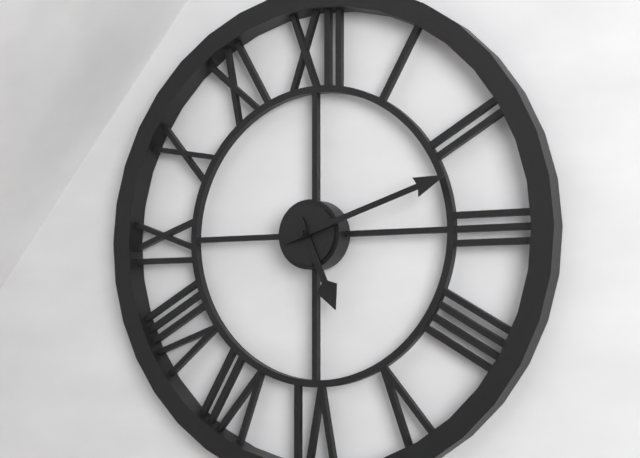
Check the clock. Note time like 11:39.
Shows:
5:12
